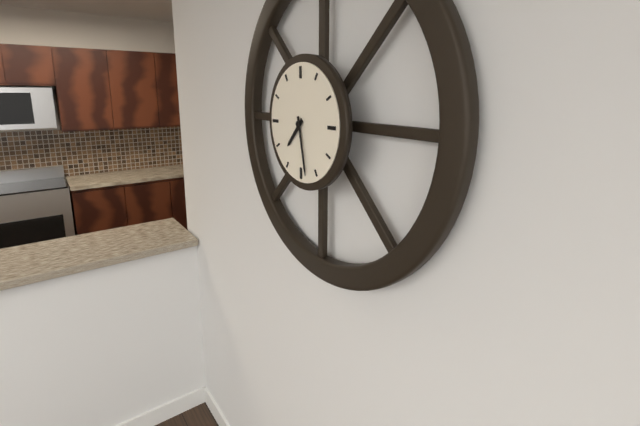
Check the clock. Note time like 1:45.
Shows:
7:28
